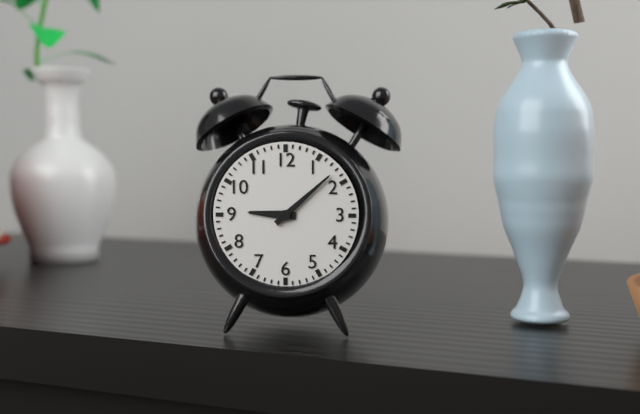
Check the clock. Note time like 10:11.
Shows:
9:08
